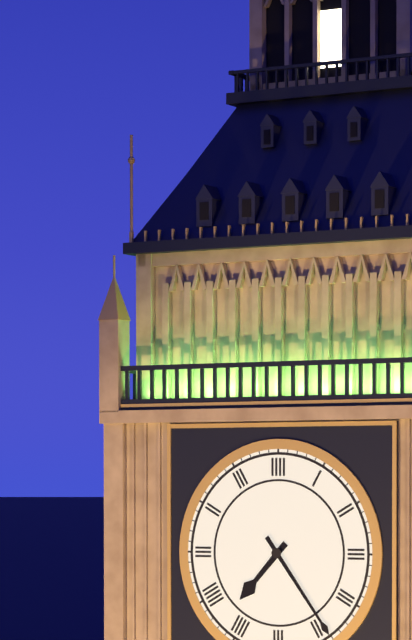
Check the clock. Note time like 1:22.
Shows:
7:24
